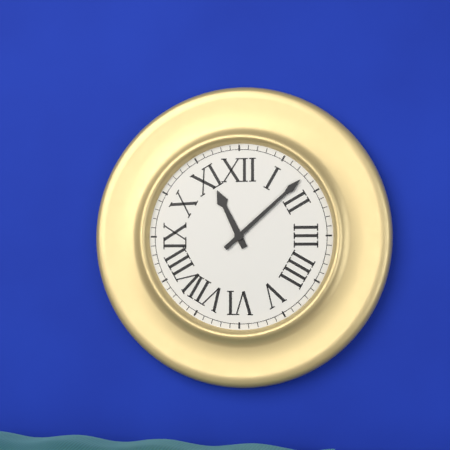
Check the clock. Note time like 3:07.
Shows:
11:08
